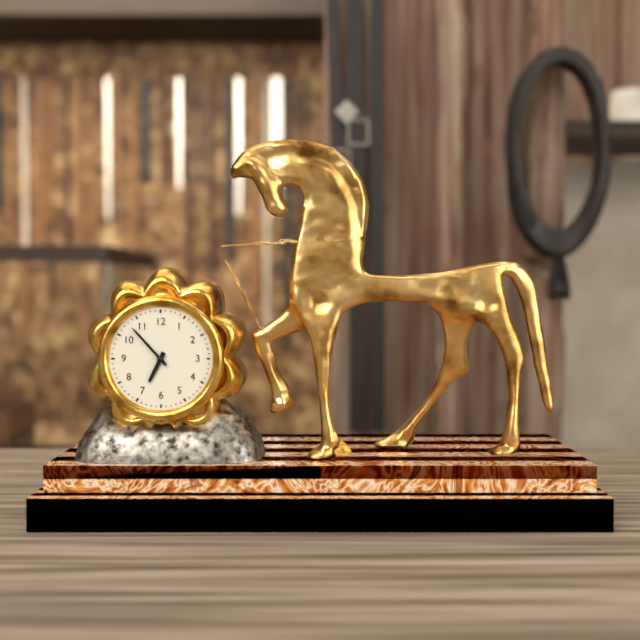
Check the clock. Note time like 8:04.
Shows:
6:53
